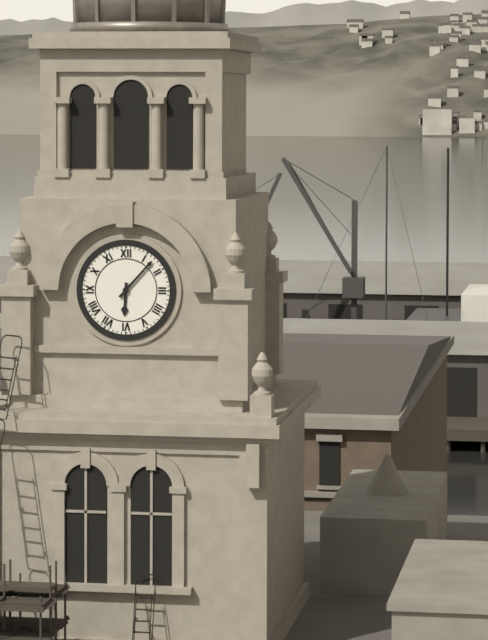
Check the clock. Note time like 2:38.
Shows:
6:07
